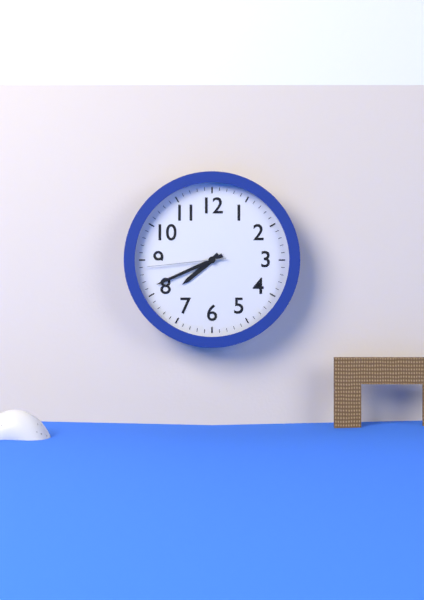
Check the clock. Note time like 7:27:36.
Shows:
7:41:44
